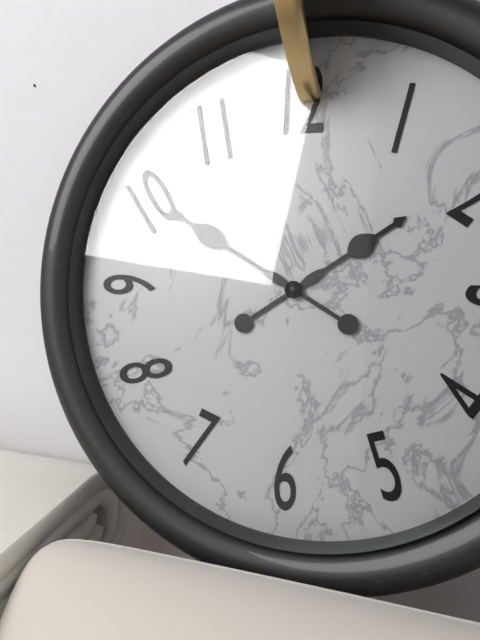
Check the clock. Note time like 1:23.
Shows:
1:50
